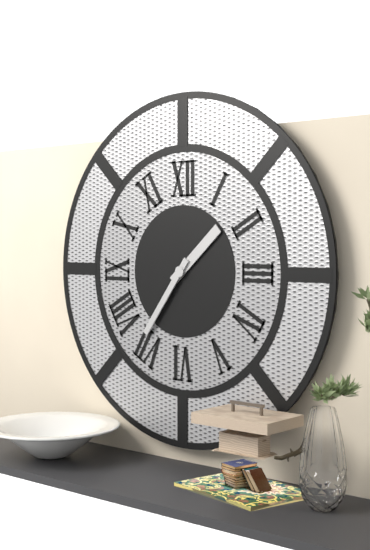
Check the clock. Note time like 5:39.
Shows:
1:36
